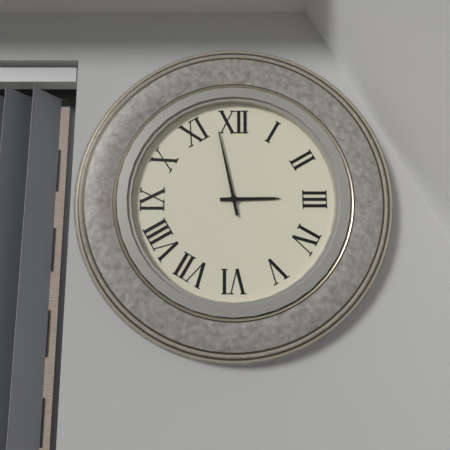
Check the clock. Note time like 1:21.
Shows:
2:58
